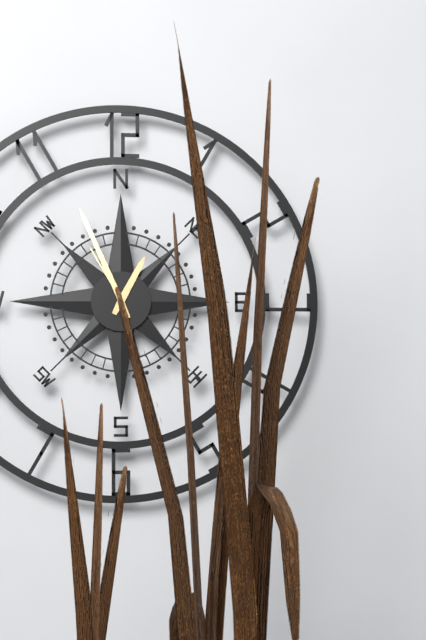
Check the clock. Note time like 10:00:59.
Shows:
12:56:55
